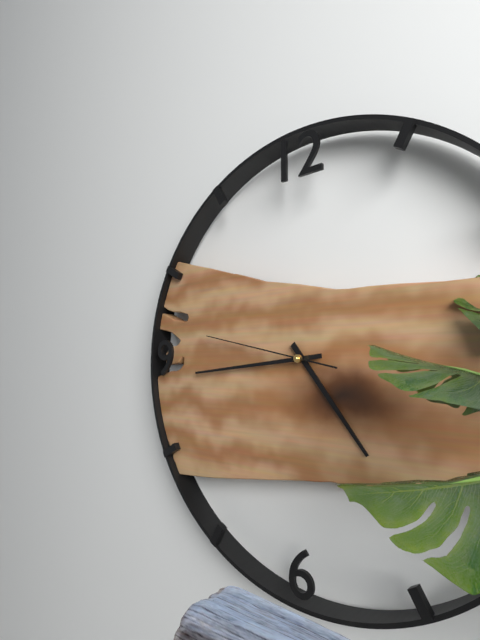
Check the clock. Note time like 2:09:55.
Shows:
4:44:47
